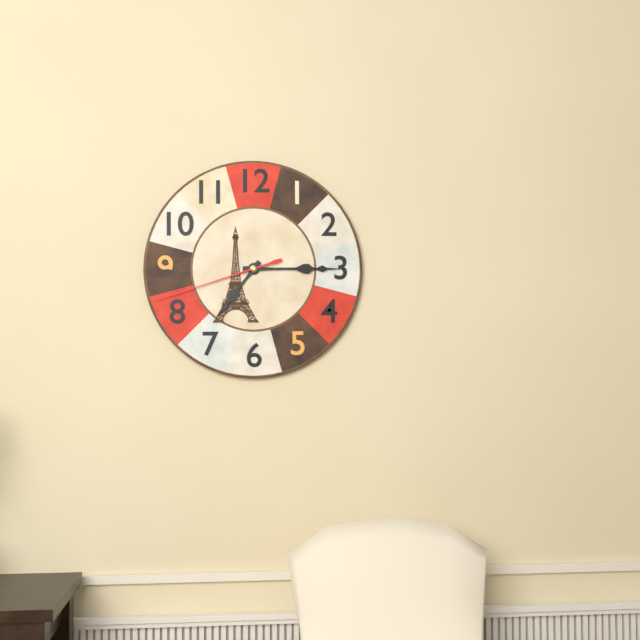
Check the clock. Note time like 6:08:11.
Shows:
7:15:42
